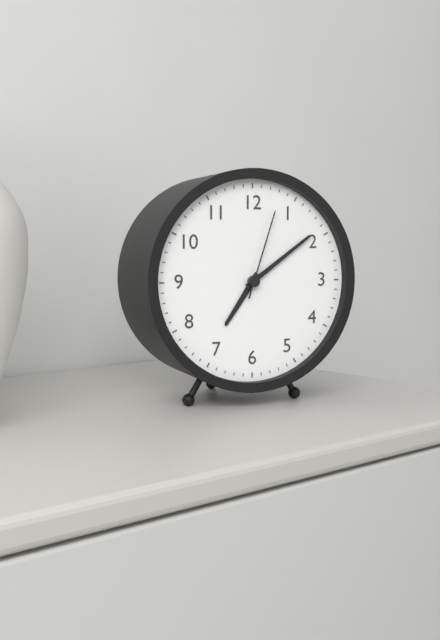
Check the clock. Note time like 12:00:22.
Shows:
7:09:03
